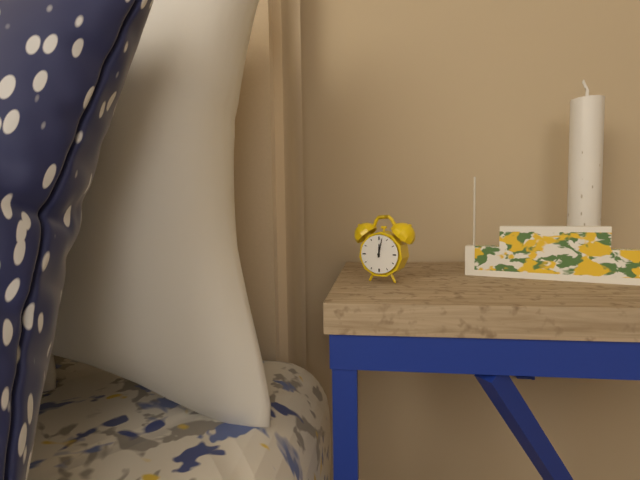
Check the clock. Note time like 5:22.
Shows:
12:02
